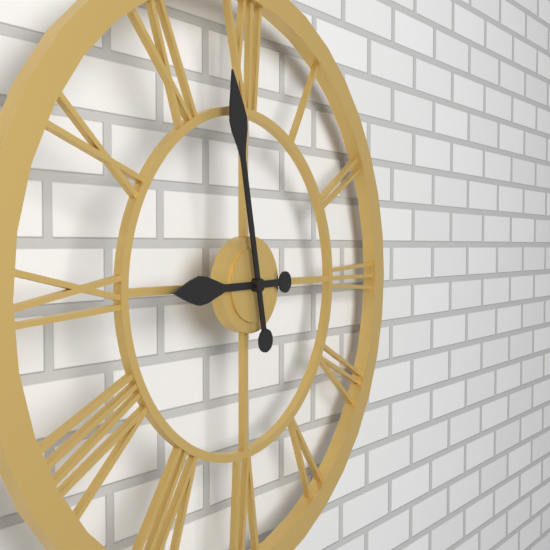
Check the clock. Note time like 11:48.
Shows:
8:58
